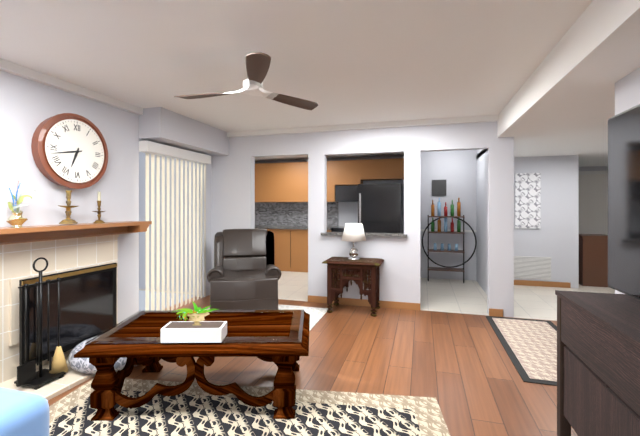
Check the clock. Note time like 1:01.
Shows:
6:43
